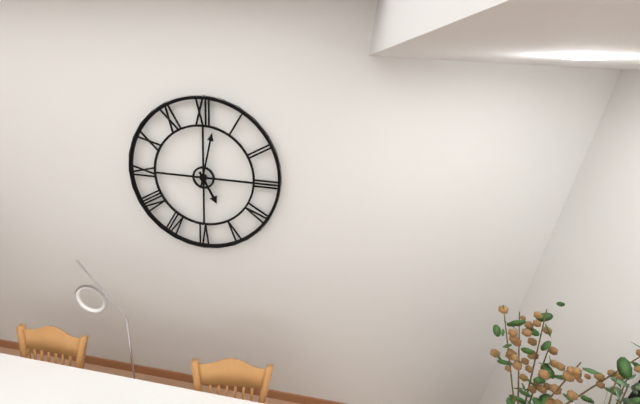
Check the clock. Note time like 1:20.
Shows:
5:02
